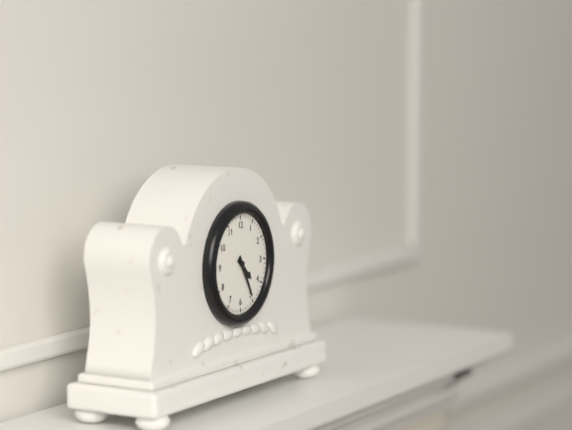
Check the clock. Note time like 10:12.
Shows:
4:25
